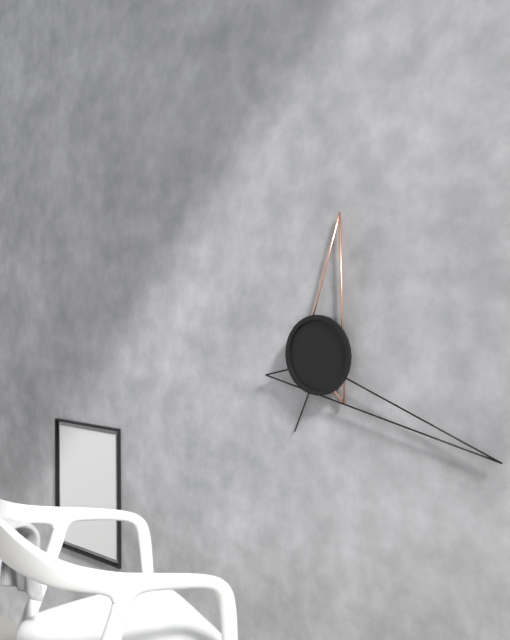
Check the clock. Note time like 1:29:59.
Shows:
12:19:34
